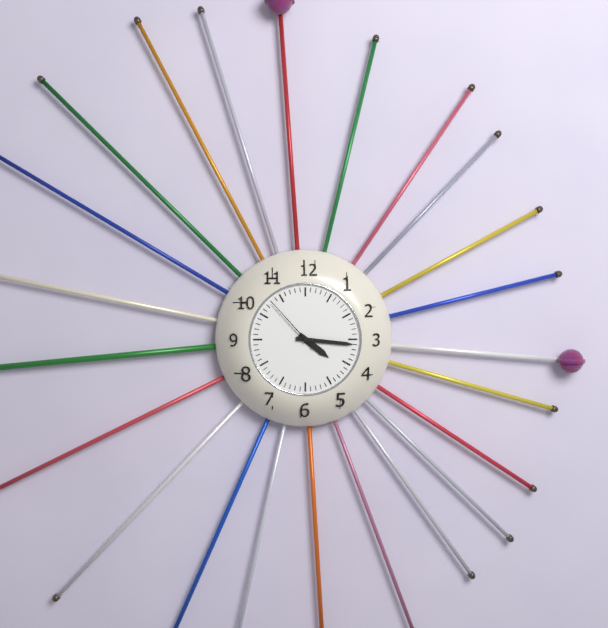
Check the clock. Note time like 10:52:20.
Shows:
4:16:53
